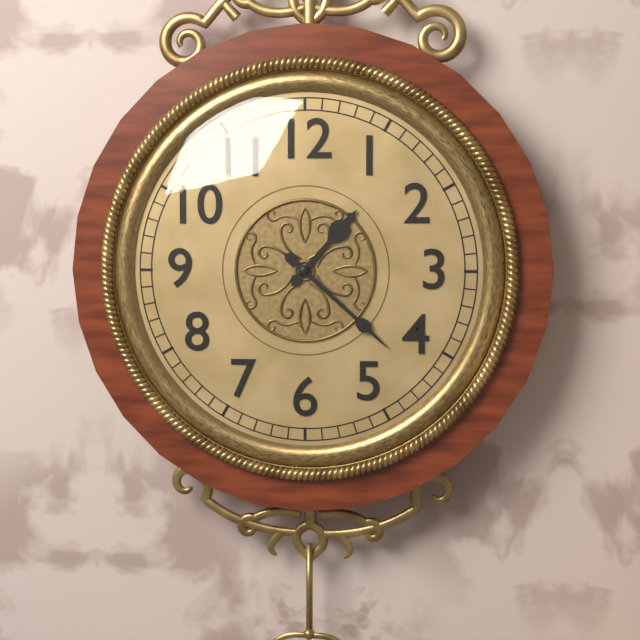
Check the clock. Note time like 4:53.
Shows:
1:22
